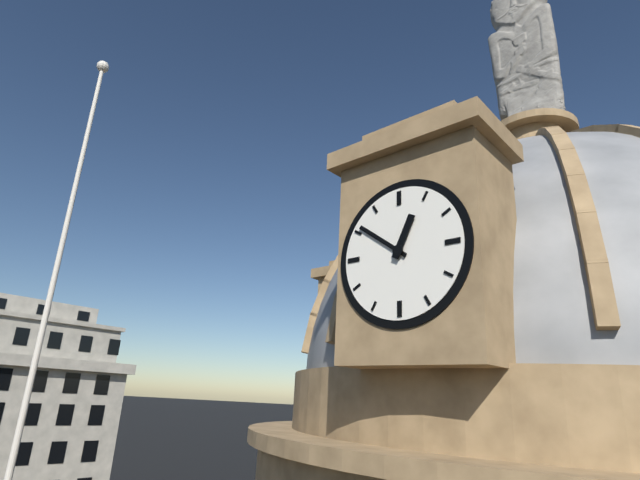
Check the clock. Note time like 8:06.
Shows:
12:51
